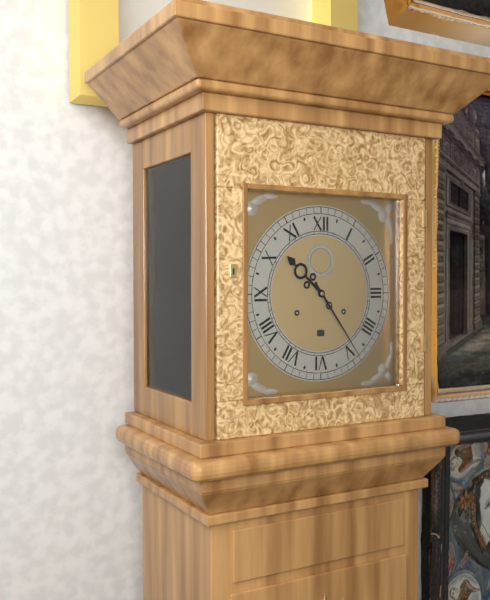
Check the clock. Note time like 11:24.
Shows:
10:24
